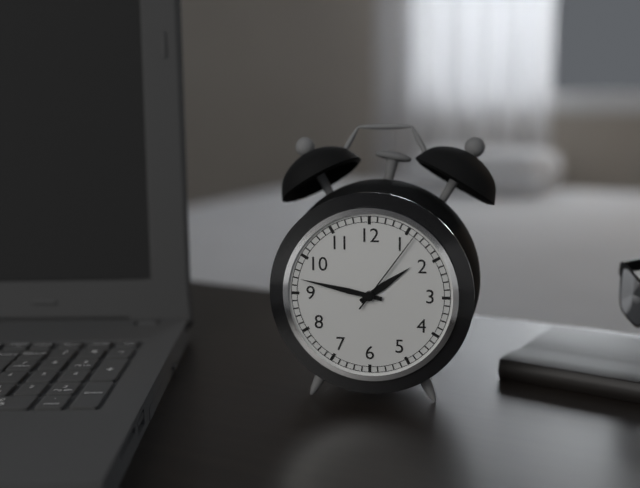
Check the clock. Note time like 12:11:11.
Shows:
1:47:06
